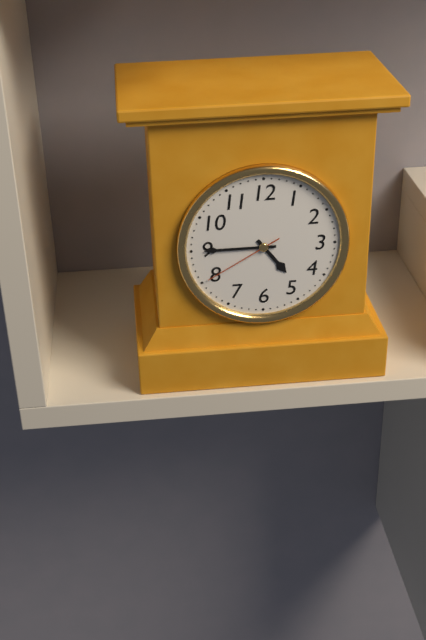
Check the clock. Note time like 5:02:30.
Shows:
4:45:40
